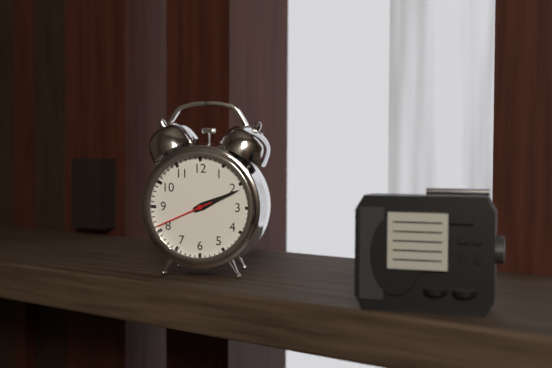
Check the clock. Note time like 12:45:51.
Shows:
2:11:41
